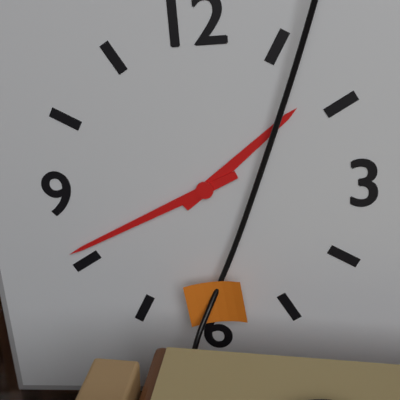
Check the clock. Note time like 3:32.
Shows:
1:41
